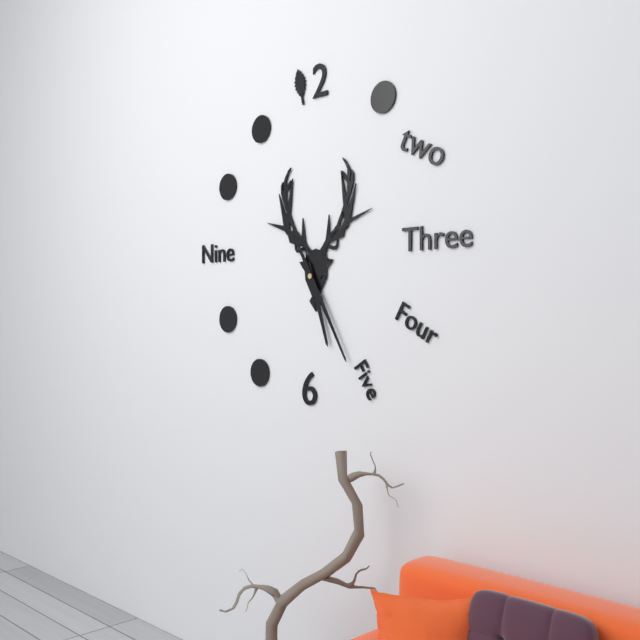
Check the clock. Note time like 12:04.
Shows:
5:25
